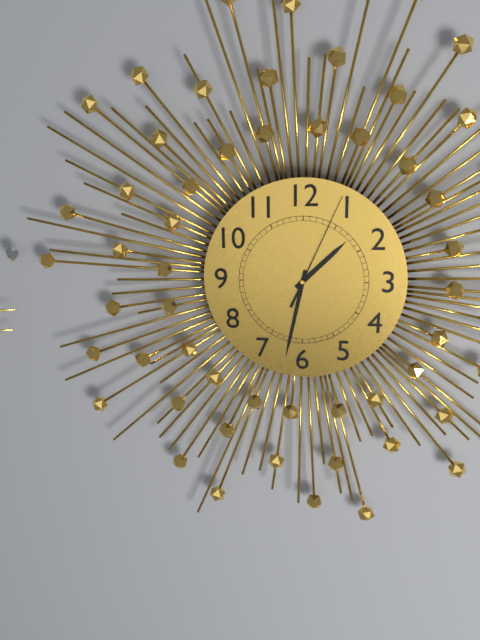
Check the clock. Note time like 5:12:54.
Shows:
1:32:04
